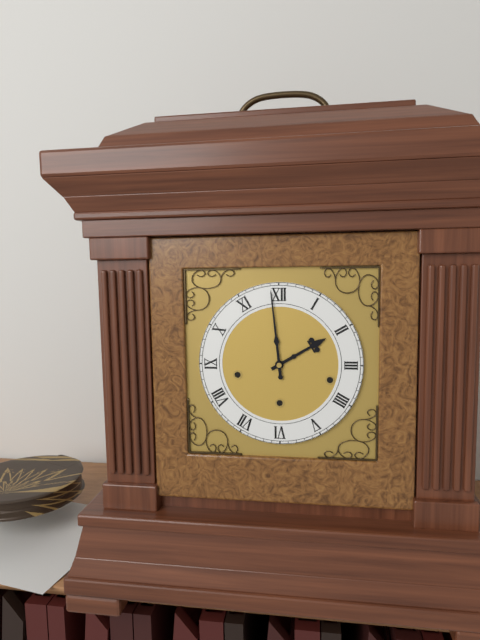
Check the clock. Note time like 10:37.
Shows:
1:59
